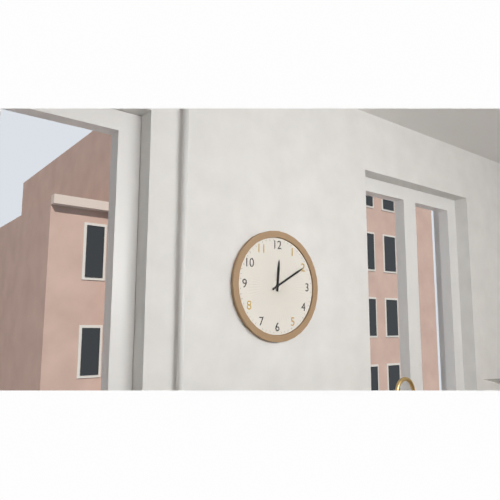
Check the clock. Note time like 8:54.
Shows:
12:10
